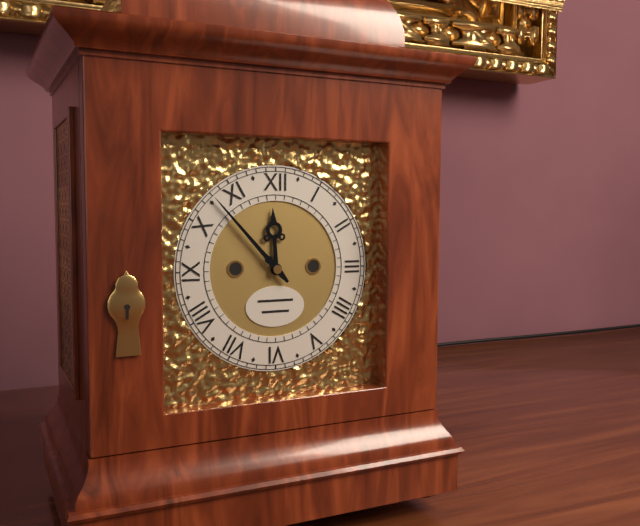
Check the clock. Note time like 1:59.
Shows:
11:53
